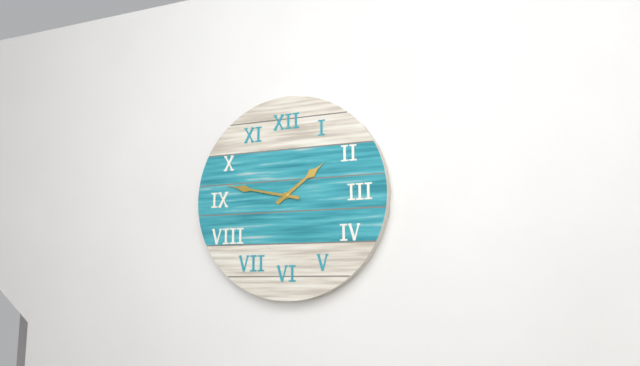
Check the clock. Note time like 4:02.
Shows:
1:47
